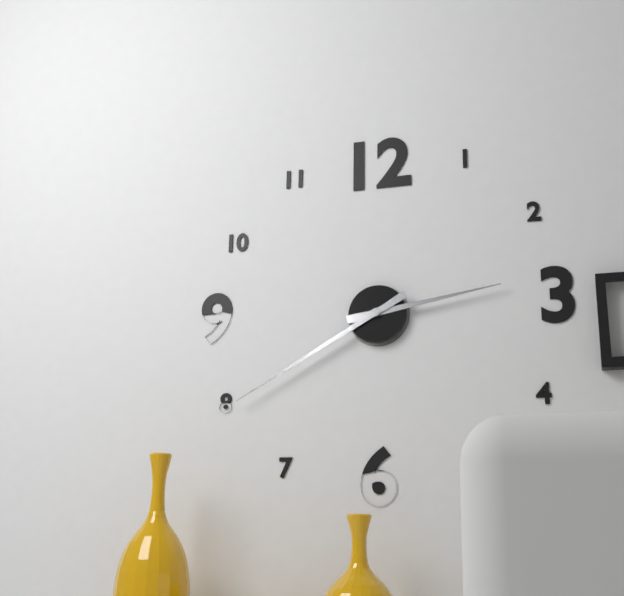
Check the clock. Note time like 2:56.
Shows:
2:40
